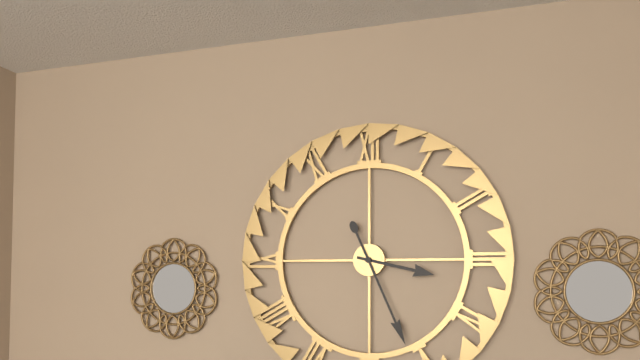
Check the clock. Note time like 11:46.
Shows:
3:26
